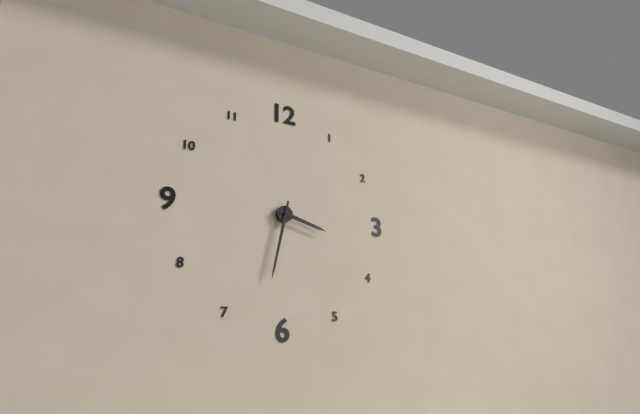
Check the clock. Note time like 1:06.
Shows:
3:32
